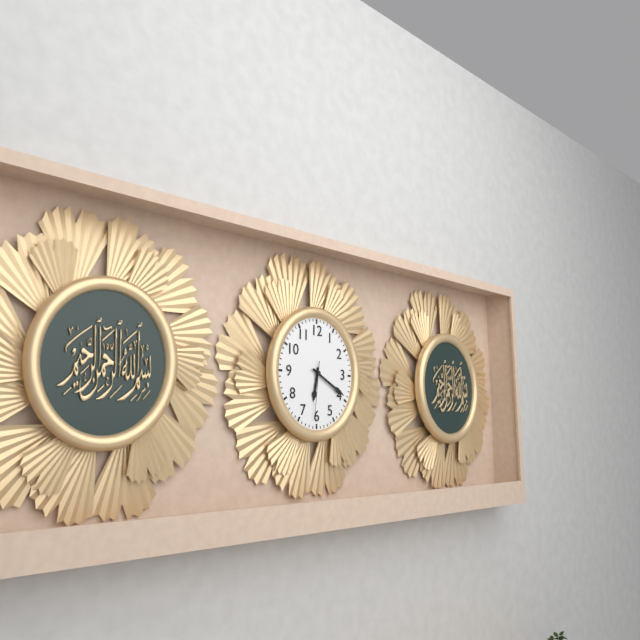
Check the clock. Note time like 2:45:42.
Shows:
6:20:31
